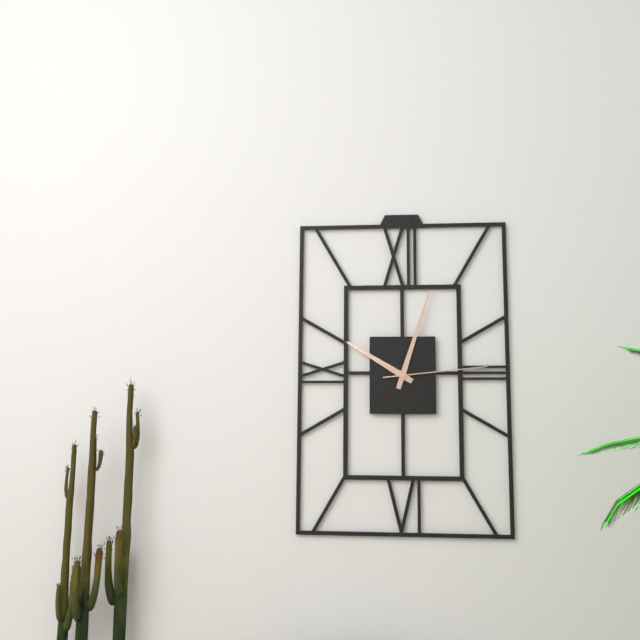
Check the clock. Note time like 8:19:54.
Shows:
10:03:14
